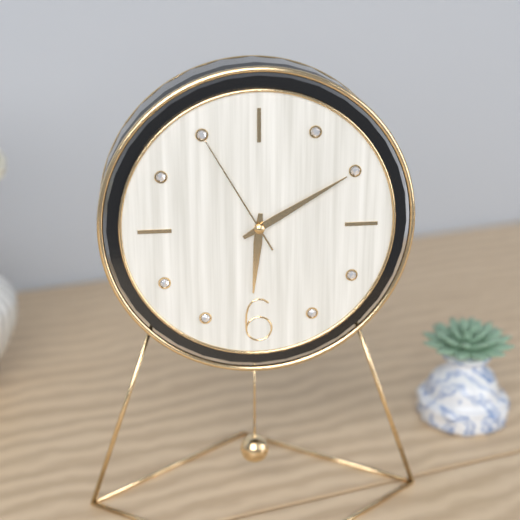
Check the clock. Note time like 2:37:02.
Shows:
6:10:55
